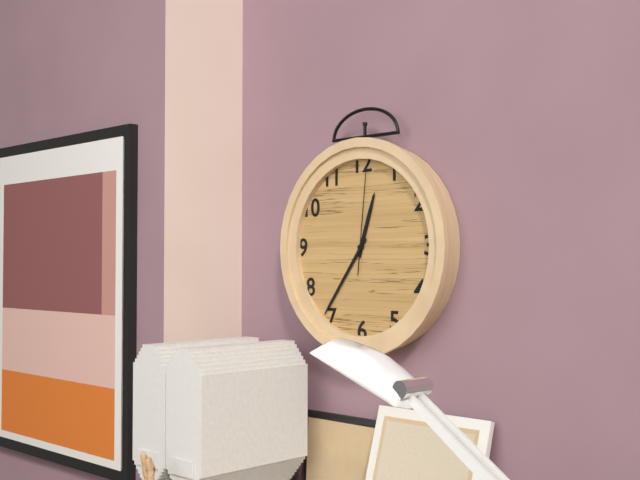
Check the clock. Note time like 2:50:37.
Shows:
12:36:01
